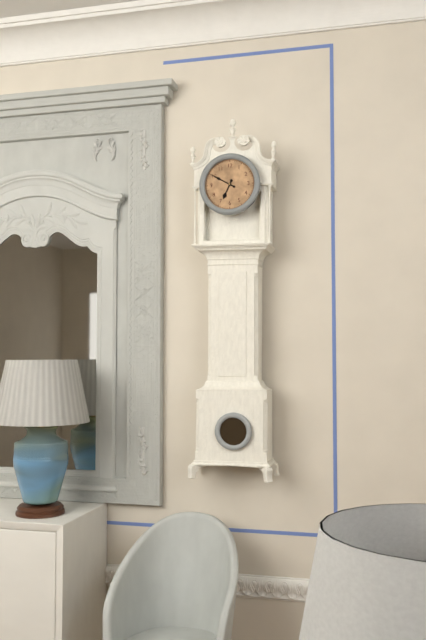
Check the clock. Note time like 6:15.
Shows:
6:50
